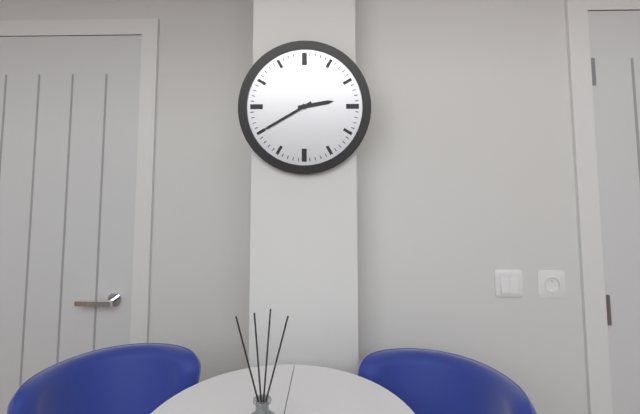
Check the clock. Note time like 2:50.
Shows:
2:40
